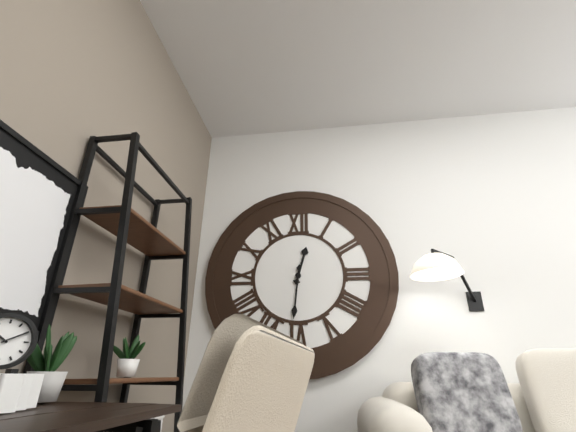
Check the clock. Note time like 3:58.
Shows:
12:31
